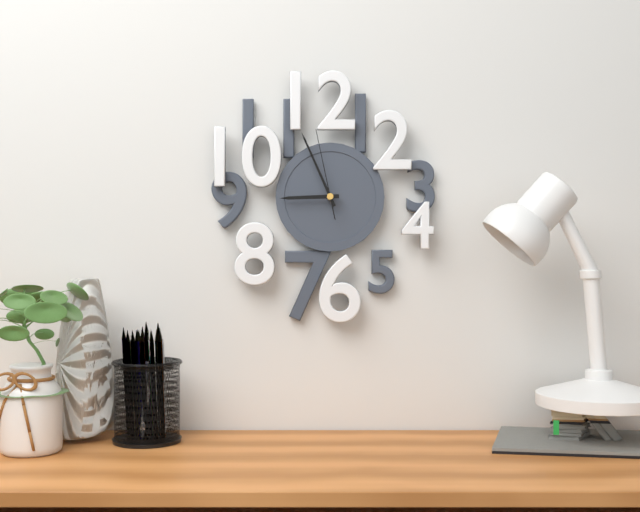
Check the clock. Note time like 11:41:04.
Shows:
8:56:58
